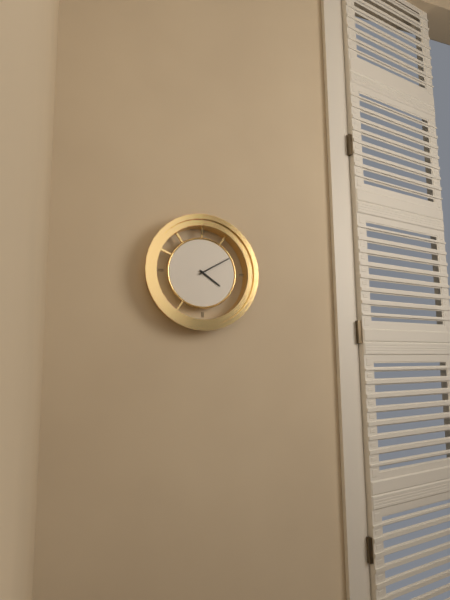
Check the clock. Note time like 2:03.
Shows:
4:10
